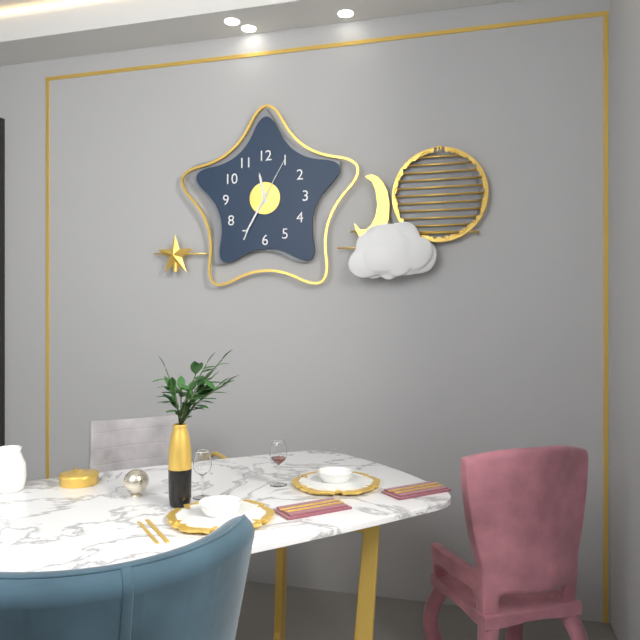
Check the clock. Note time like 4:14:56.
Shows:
11:35:05
